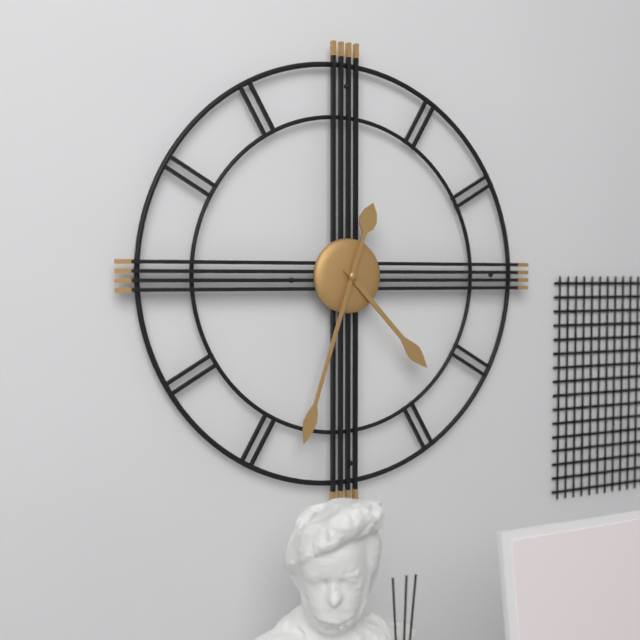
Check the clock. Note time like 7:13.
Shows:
4:33
